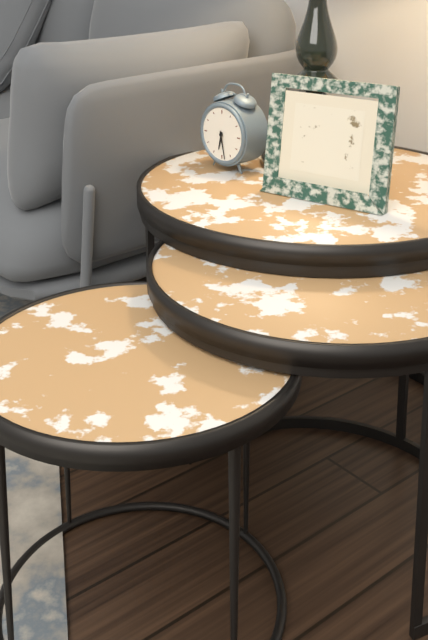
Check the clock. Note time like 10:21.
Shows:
6:28
